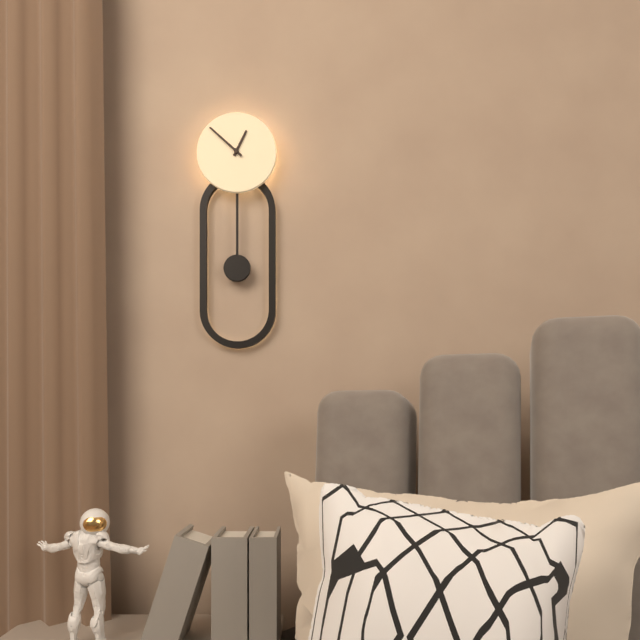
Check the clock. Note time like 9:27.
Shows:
12:52
